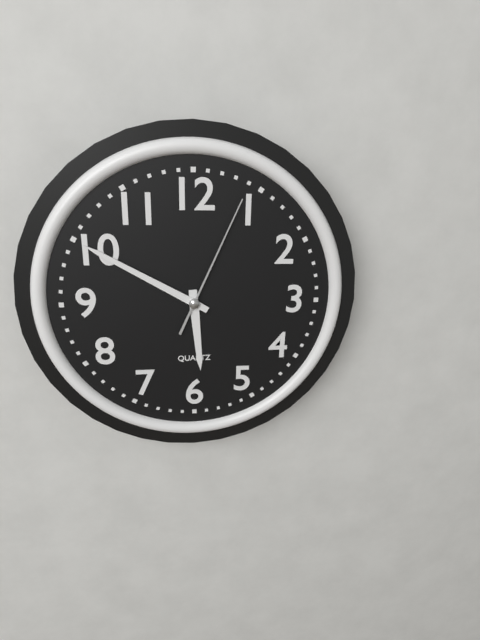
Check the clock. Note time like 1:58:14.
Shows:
5:50:04
